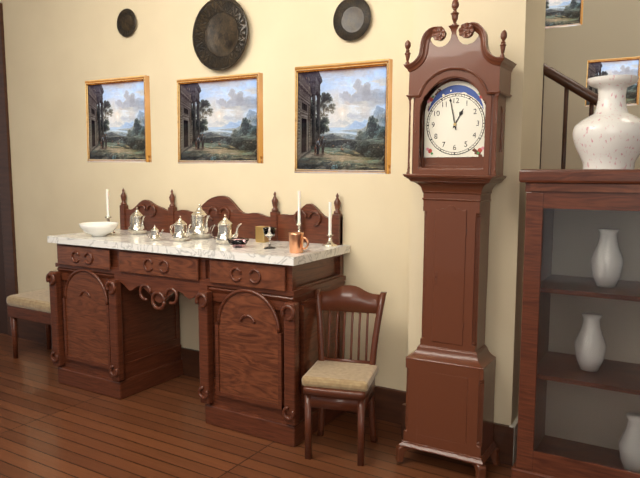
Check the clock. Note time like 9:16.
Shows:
12:58
